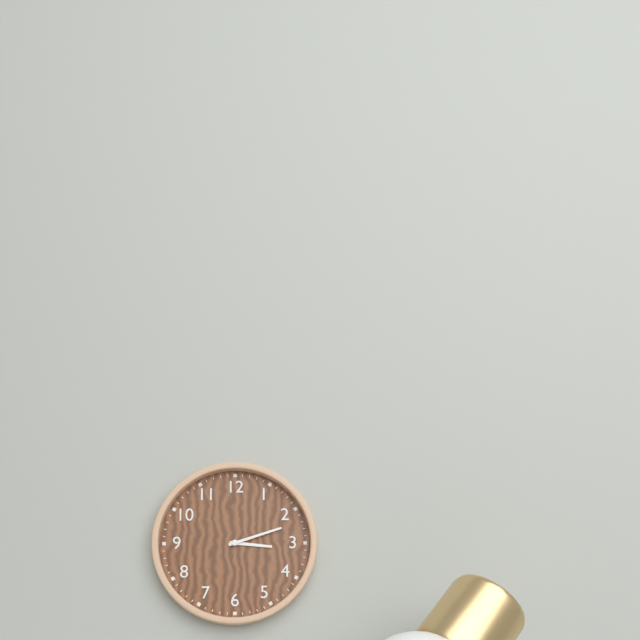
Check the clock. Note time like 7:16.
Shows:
3:12
